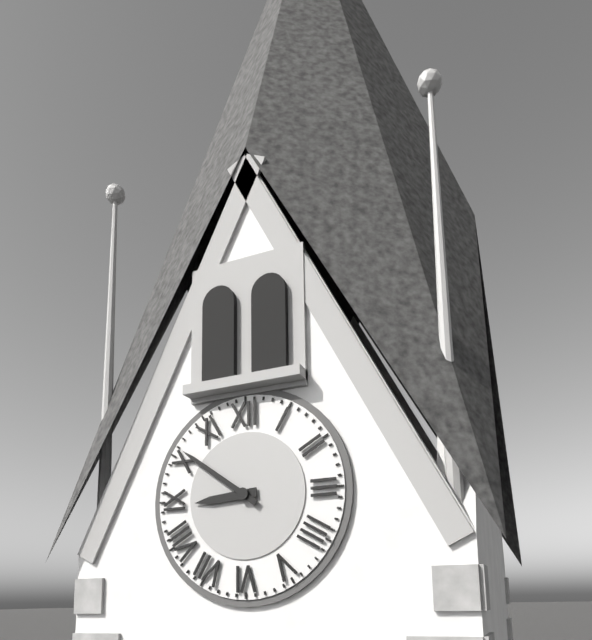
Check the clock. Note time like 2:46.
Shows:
8:51
